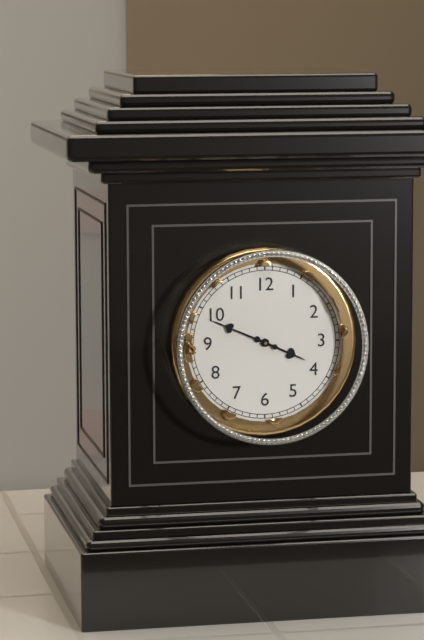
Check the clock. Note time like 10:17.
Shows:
3:49
